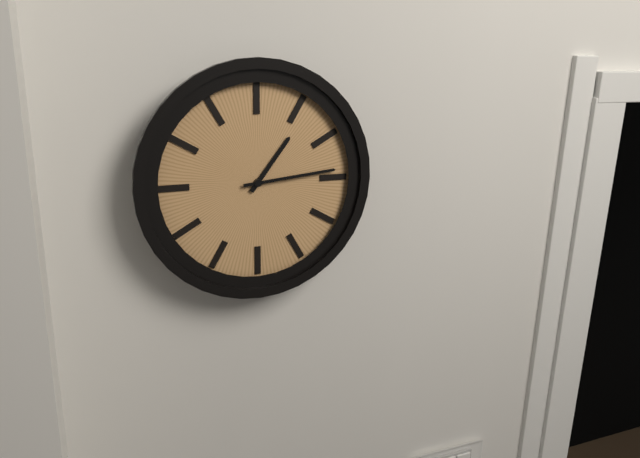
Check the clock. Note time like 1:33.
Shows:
1:14
